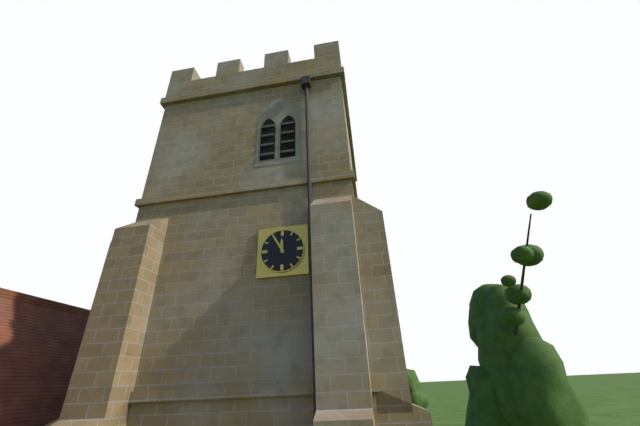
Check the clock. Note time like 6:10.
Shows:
11:55
